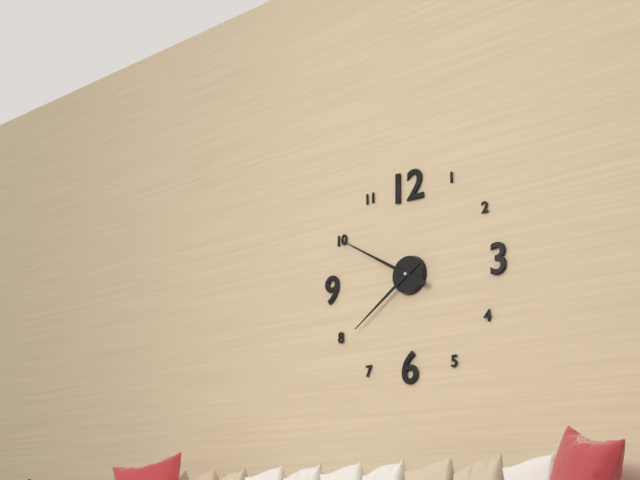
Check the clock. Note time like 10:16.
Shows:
7:50
